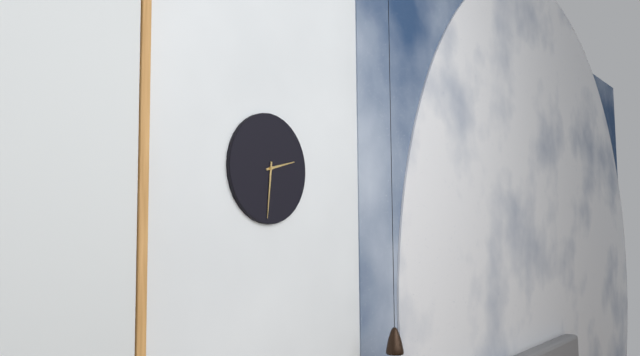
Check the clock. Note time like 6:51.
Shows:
2:31
